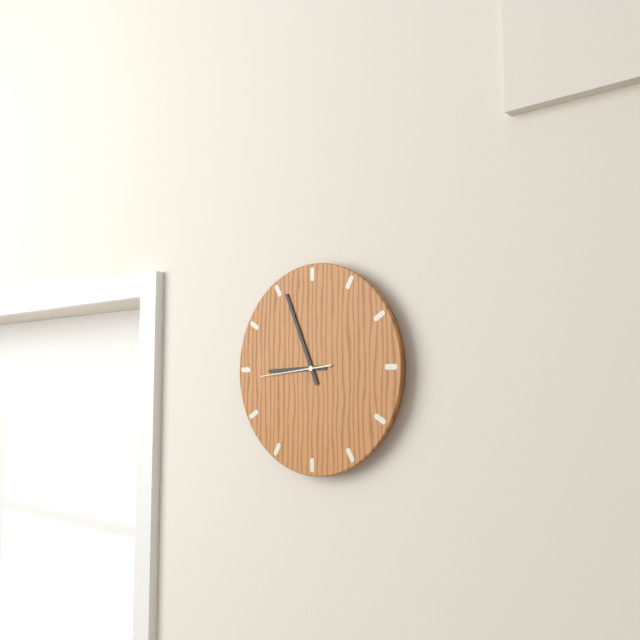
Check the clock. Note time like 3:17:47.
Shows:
8:56:44
